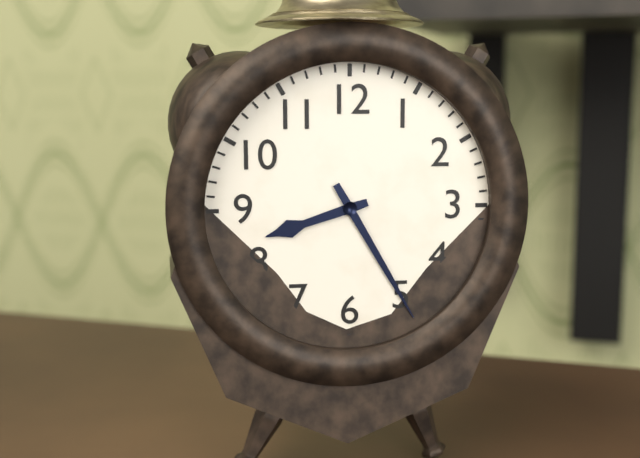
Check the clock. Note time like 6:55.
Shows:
8:25
